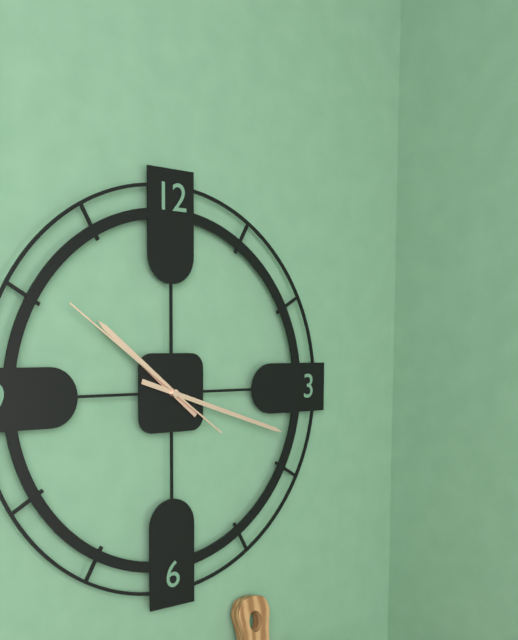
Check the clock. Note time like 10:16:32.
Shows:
10:18:51
